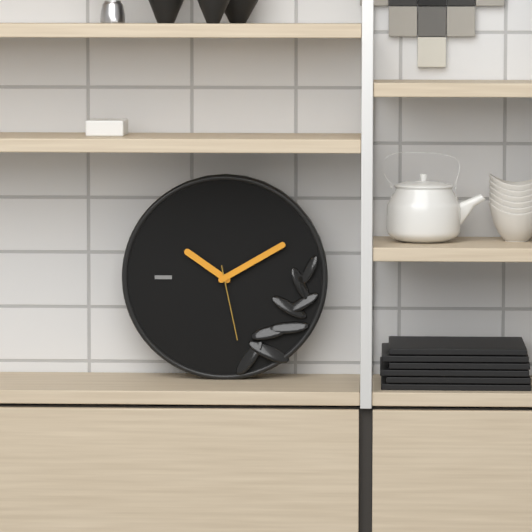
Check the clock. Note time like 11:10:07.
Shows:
10:10:28
